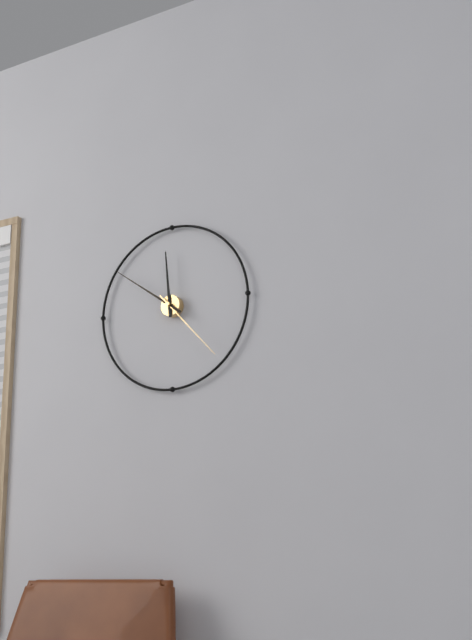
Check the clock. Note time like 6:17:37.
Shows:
11:51:23
